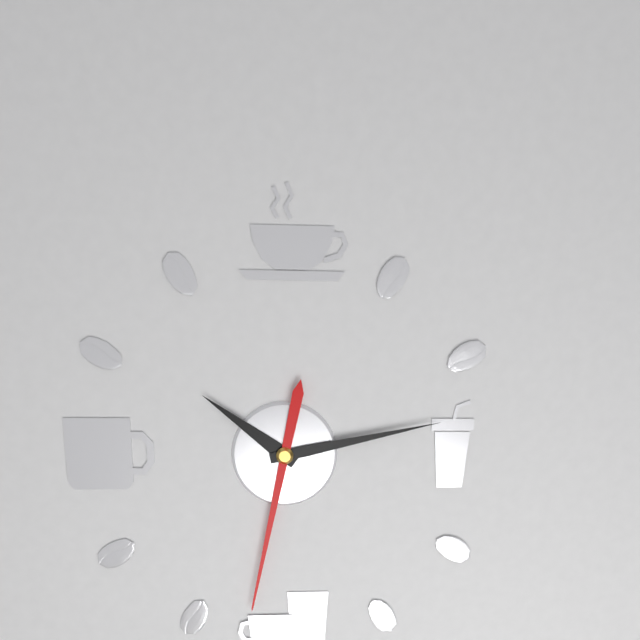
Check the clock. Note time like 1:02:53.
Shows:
10:13:32
